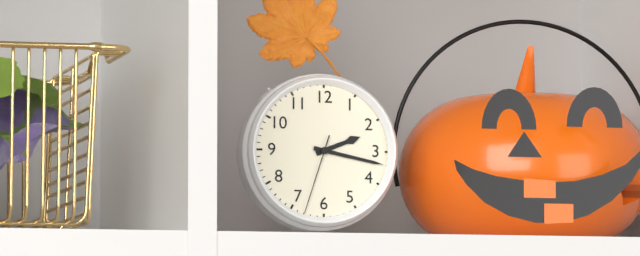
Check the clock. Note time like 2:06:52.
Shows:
2:17:33
